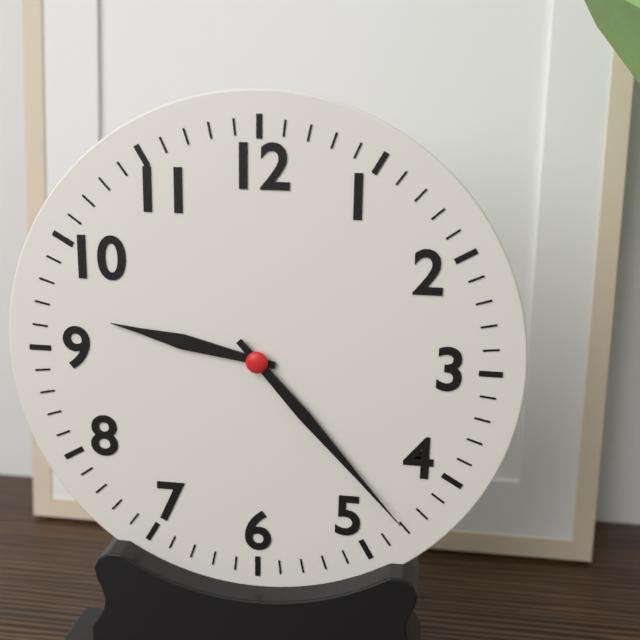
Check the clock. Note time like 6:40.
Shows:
9:23
